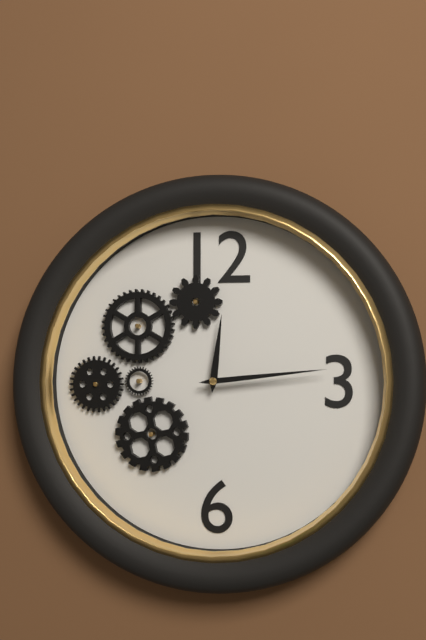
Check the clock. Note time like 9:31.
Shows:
12:14
